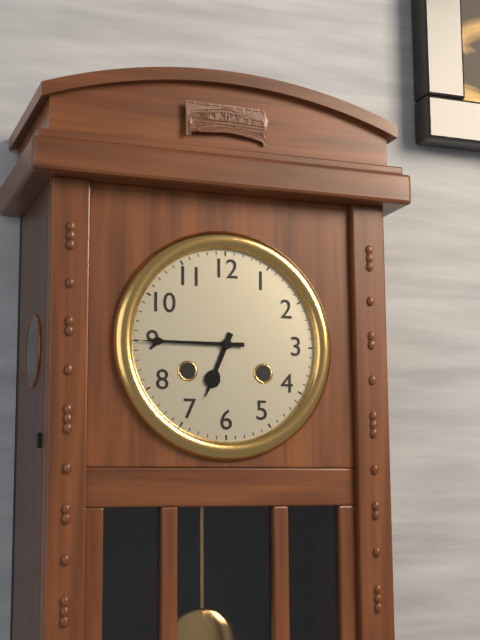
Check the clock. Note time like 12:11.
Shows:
6:45
